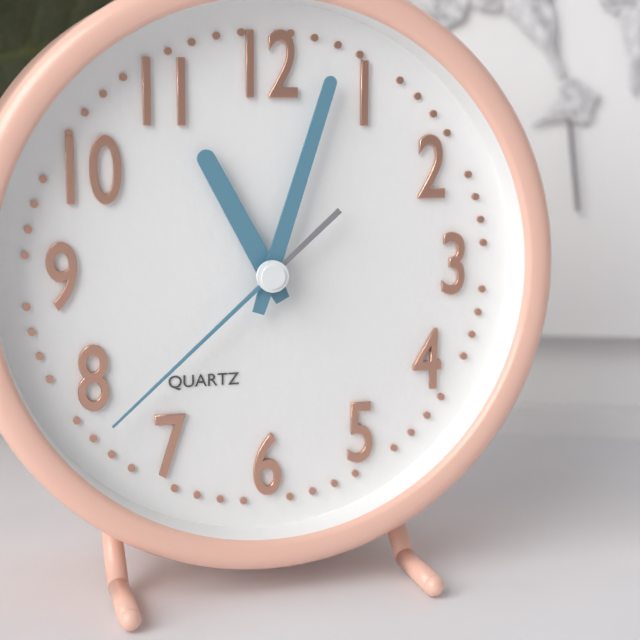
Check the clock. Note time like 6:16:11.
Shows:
11:03:38
